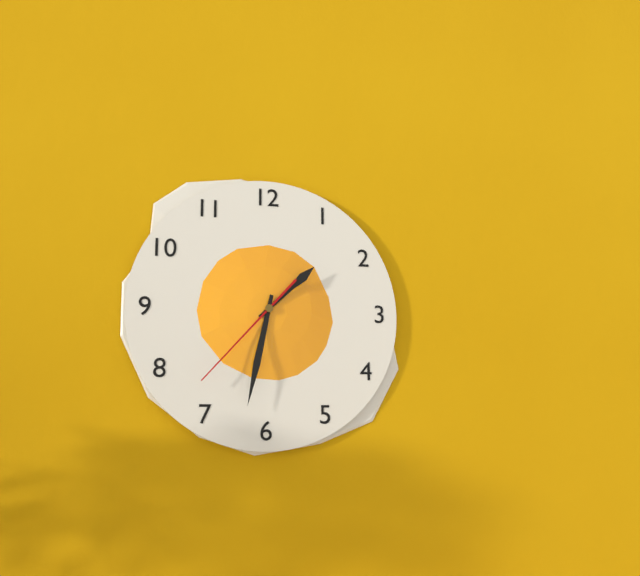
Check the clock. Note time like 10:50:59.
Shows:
1:32:37
